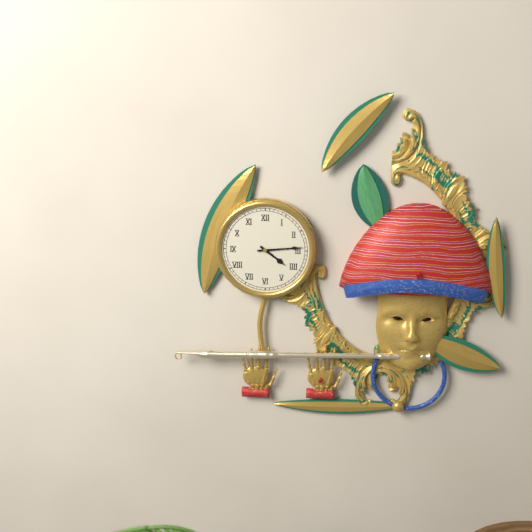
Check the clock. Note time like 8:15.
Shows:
4:14
